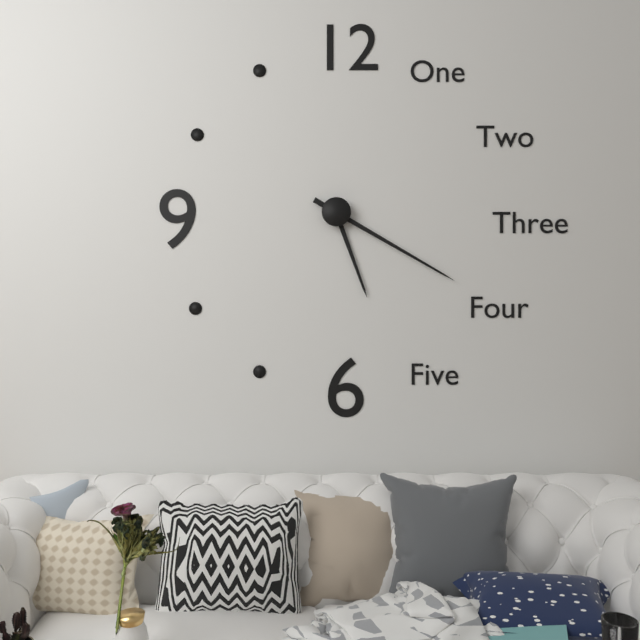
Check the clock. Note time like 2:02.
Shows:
5:20
